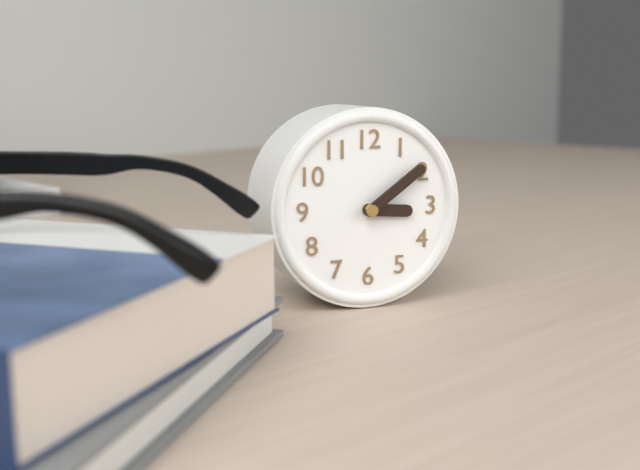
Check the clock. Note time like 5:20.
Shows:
3:09
